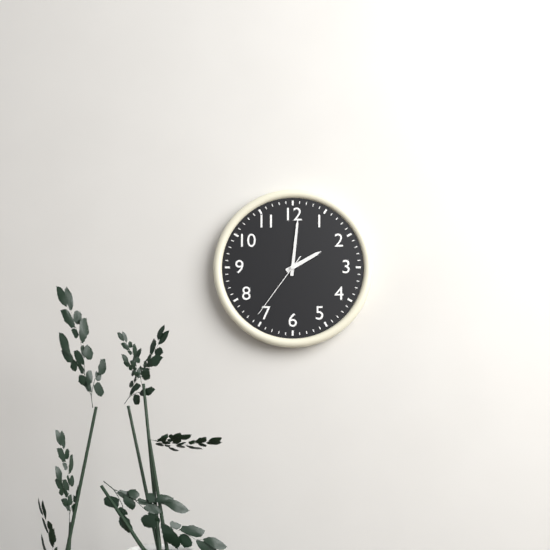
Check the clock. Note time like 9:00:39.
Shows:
2:01:36
